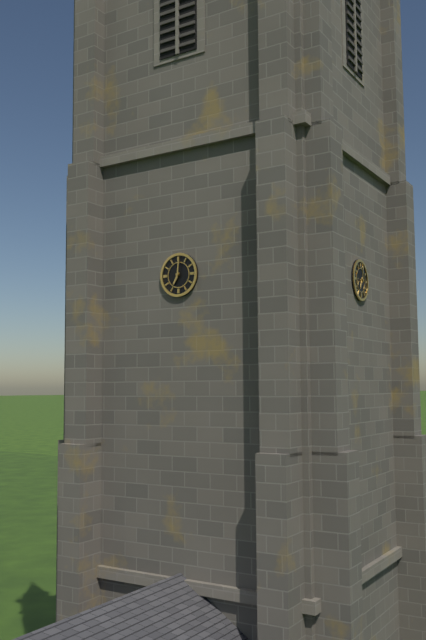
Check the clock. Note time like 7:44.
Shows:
7:01
